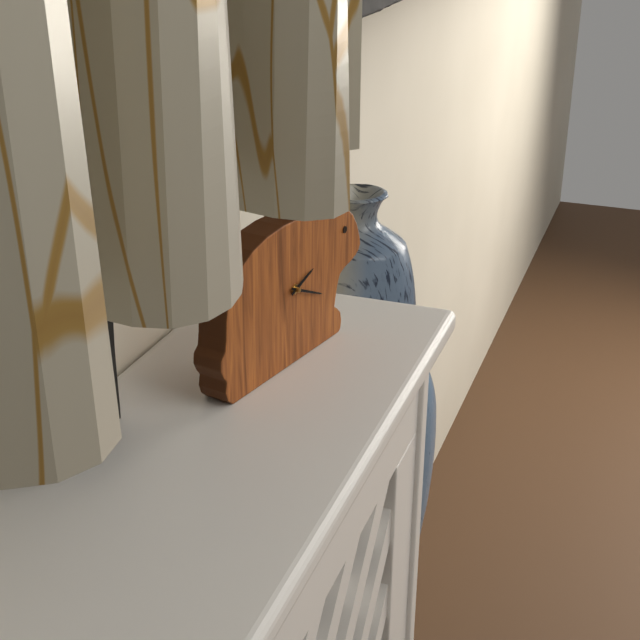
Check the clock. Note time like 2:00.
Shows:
2:19
